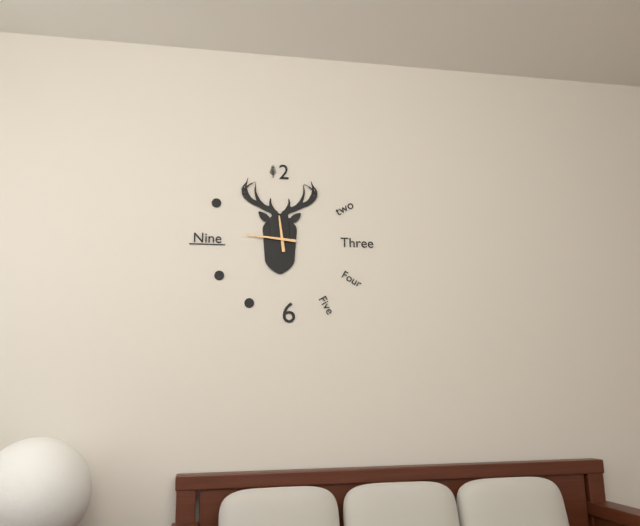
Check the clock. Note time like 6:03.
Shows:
11:46
